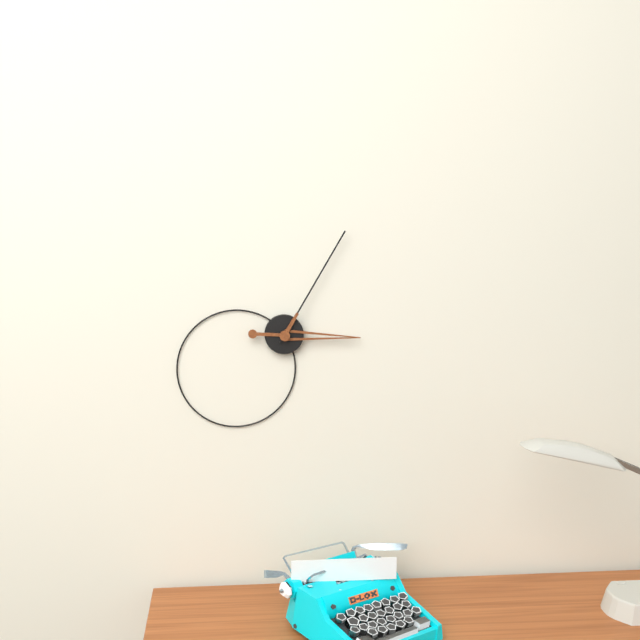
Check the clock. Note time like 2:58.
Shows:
3:05
